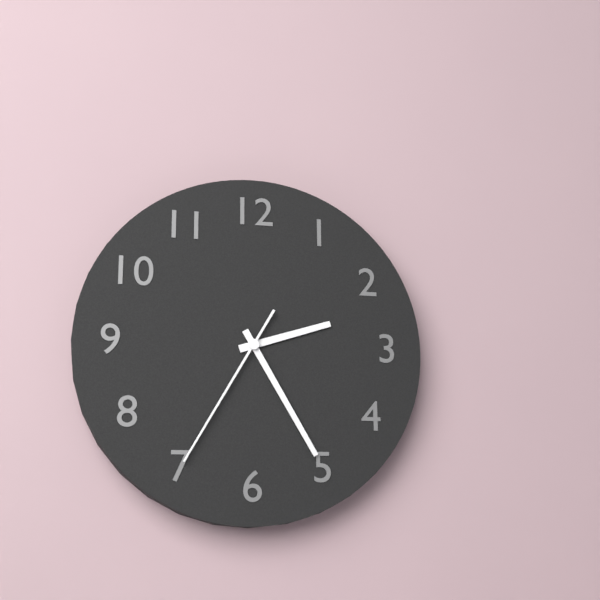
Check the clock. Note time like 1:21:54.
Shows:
2:25:35
